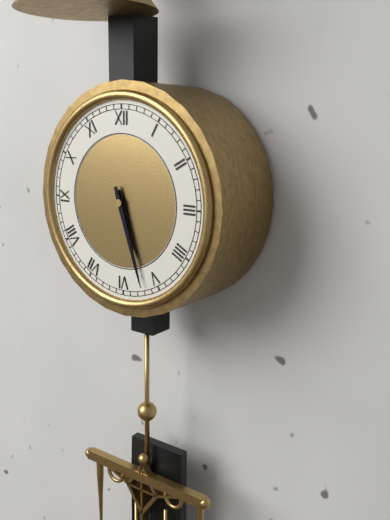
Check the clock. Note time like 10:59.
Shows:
5:27
